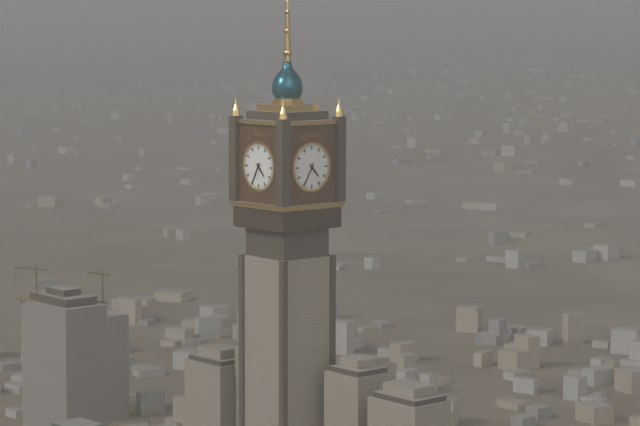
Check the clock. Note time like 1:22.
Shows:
4:35
